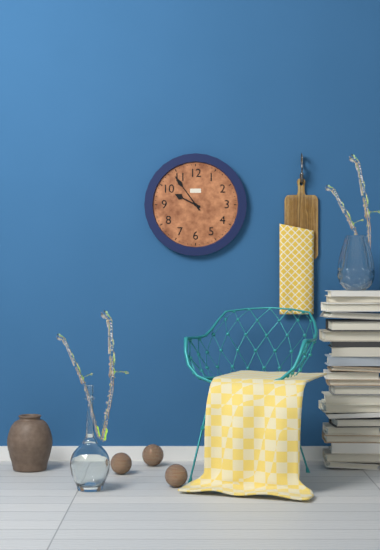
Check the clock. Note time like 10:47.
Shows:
9:54
